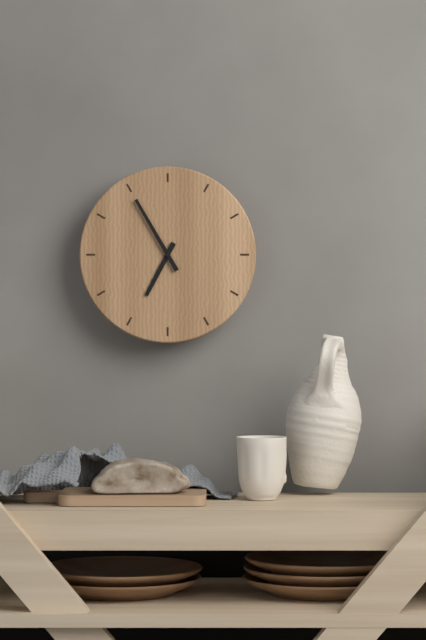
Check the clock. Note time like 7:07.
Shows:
6:55
